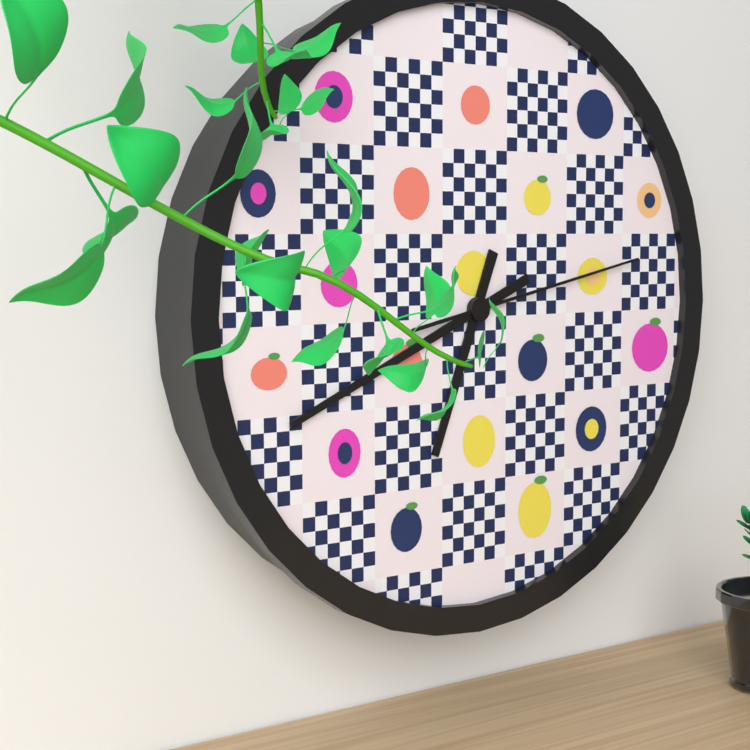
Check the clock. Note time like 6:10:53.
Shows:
6:41:13
